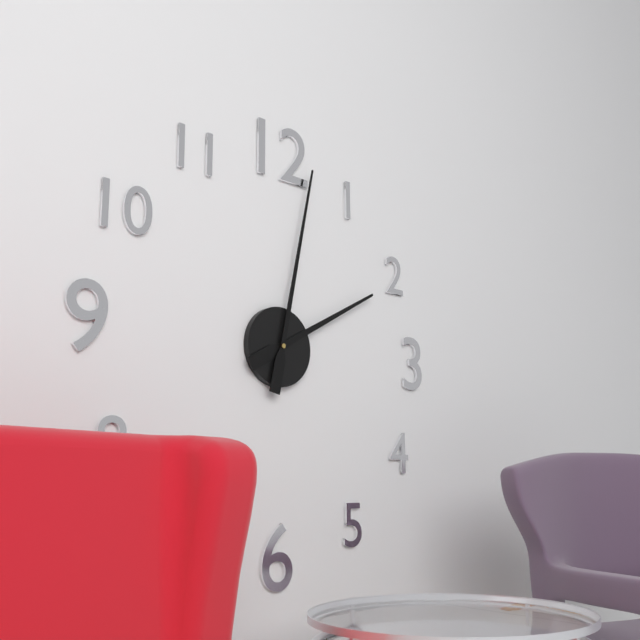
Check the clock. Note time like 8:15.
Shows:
2:02
